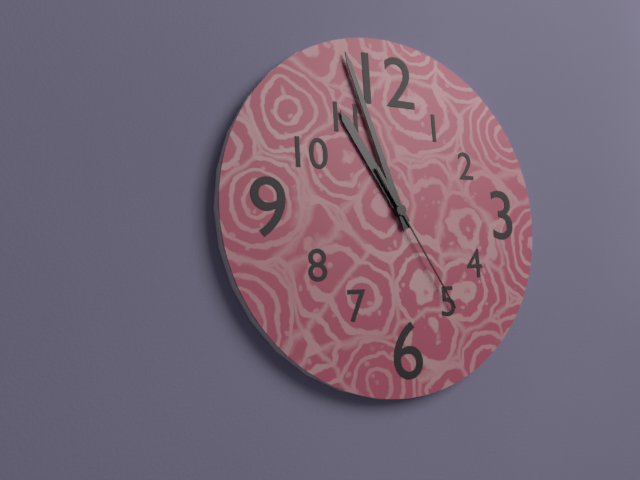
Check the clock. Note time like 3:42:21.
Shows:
10:57:25
